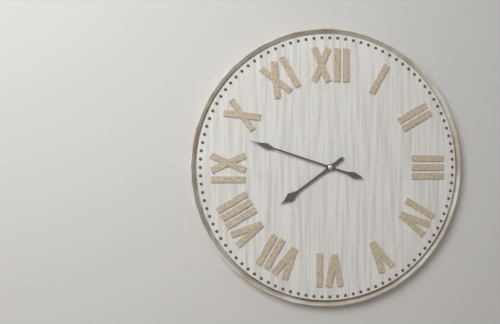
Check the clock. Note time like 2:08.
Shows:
7:48
